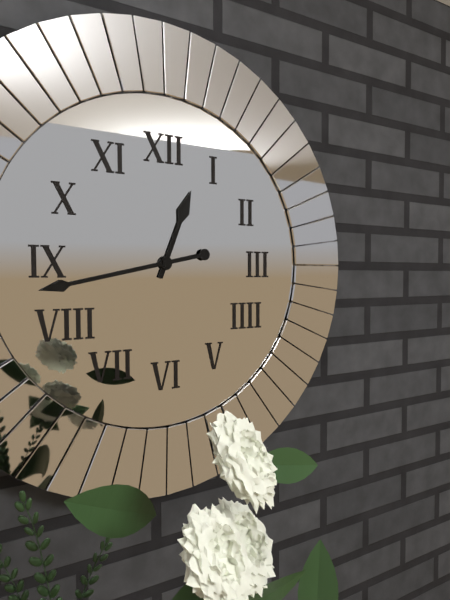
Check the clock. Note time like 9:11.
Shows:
12:43
